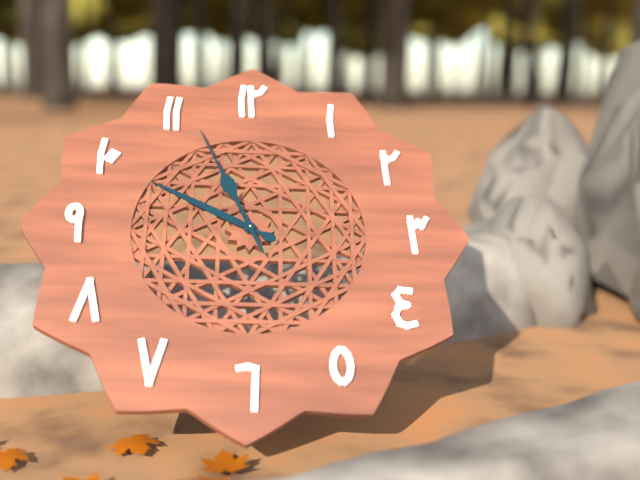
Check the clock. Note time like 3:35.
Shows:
9:56
